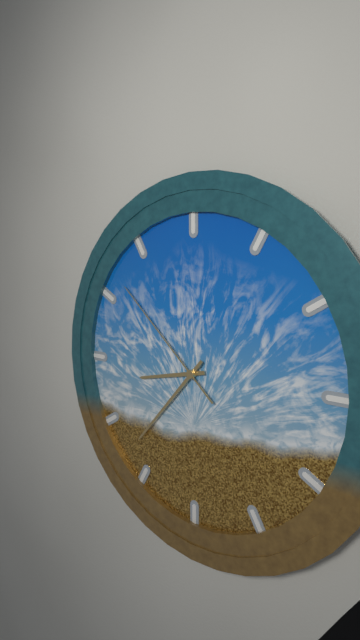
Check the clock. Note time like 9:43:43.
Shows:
8:37:52
